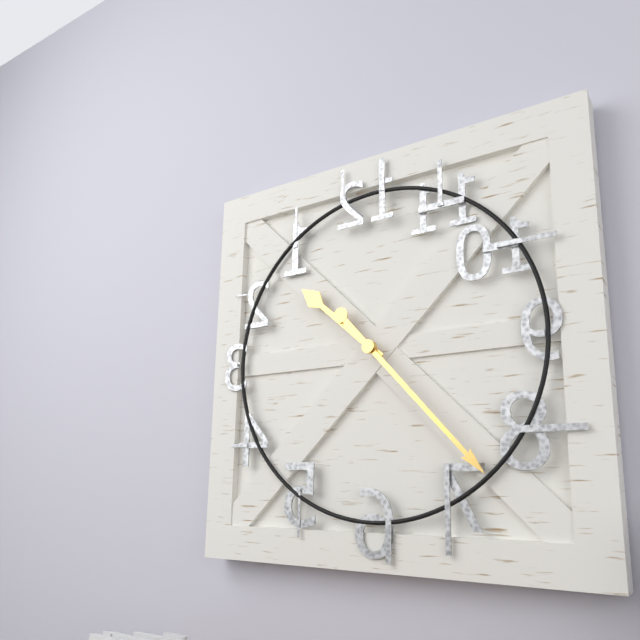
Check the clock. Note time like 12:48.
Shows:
10:23
